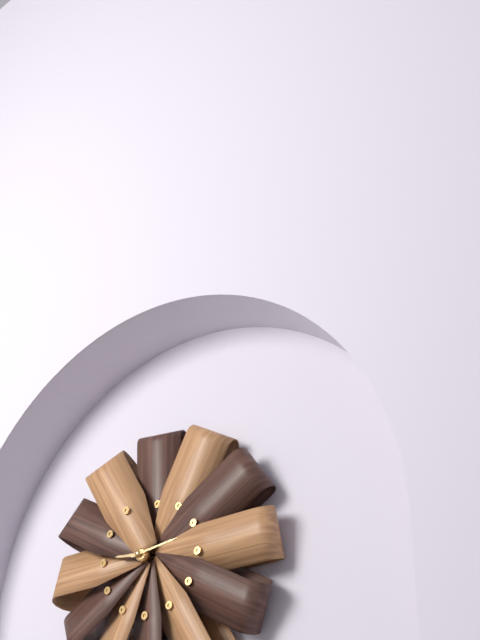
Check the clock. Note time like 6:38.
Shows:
9:14
